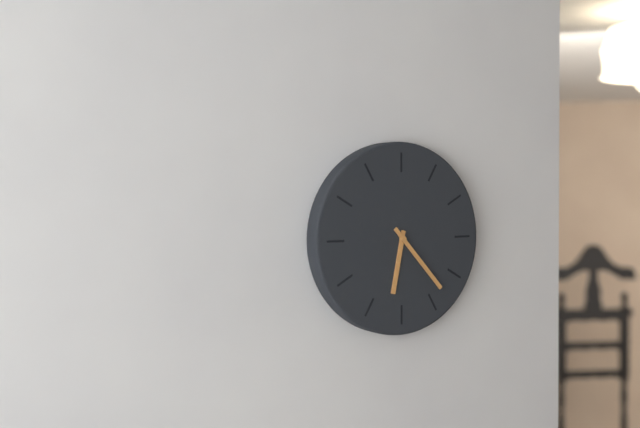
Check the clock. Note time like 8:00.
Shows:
6:23
